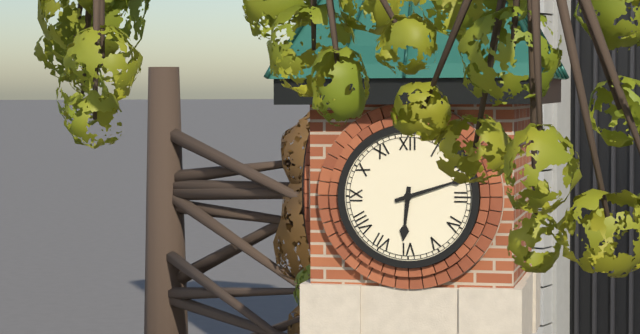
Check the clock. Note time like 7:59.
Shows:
6:12
